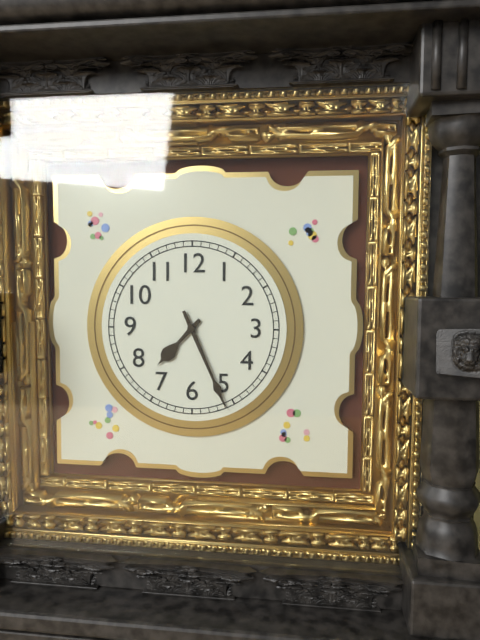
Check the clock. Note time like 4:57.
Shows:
7:26
